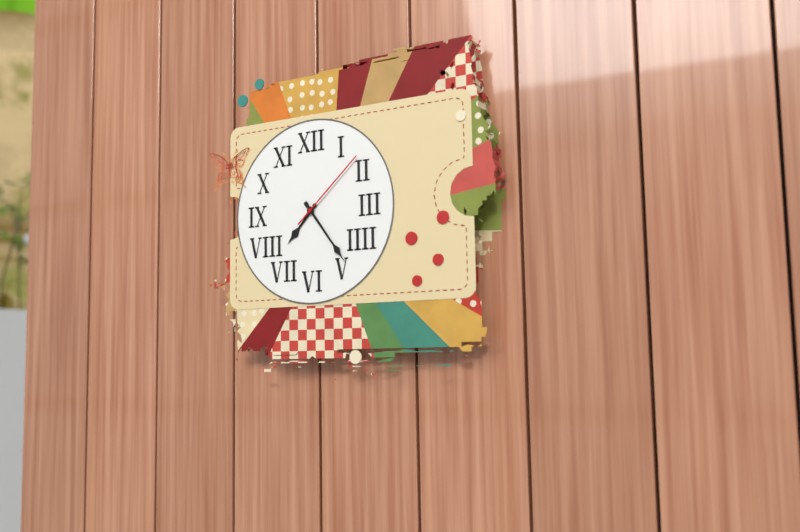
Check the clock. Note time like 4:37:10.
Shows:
7:24:08
